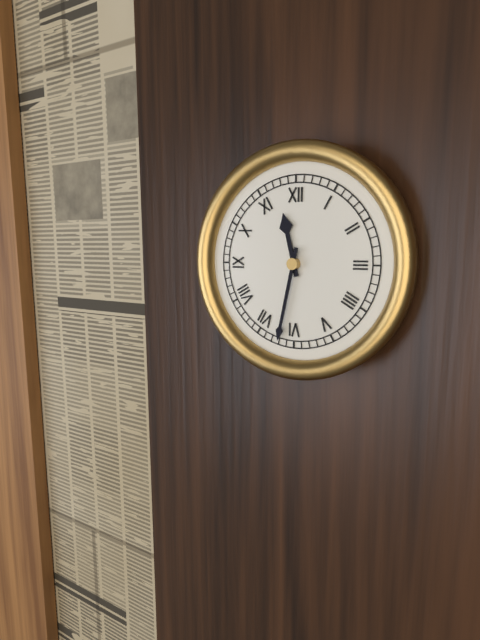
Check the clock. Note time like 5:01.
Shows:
11:32
